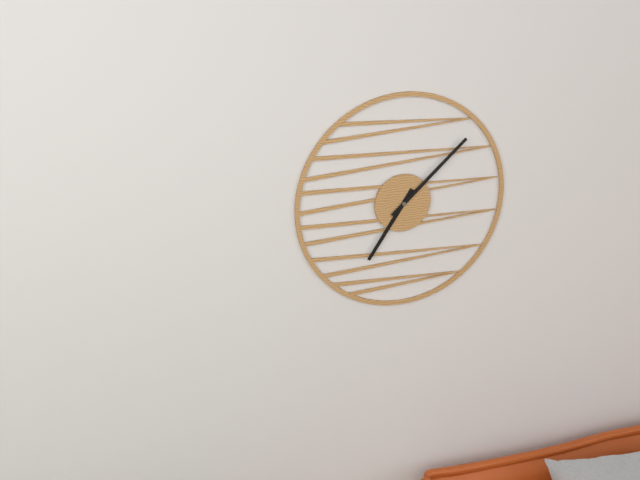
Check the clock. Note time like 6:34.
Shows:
7:08
